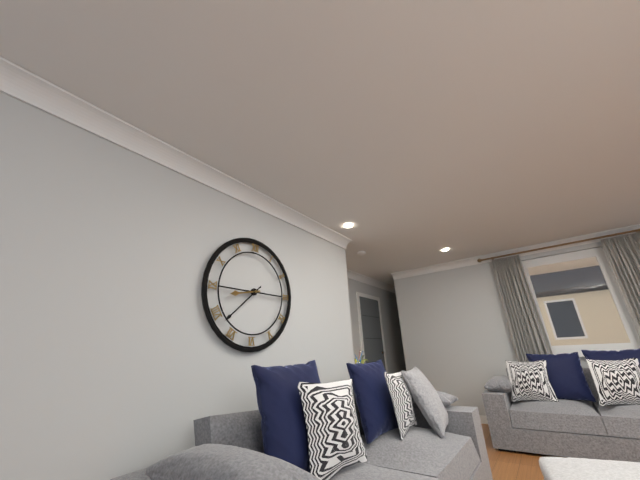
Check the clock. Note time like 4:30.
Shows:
8:38
